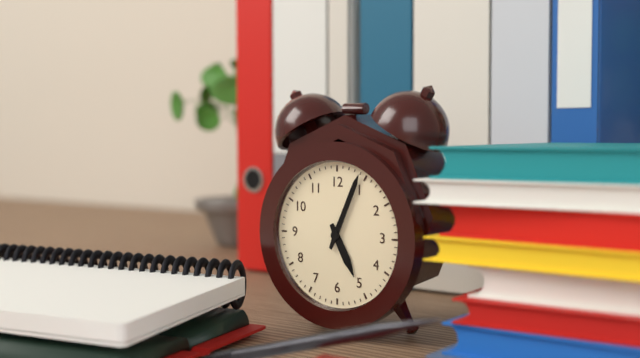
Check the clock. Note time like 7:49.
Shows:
5:04
